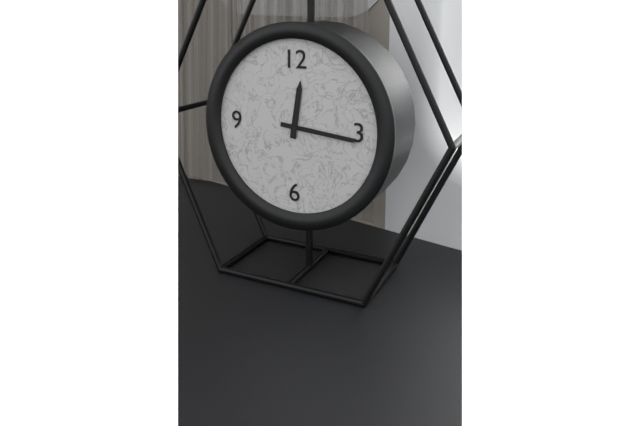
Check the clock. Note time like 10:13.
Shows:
12:16
